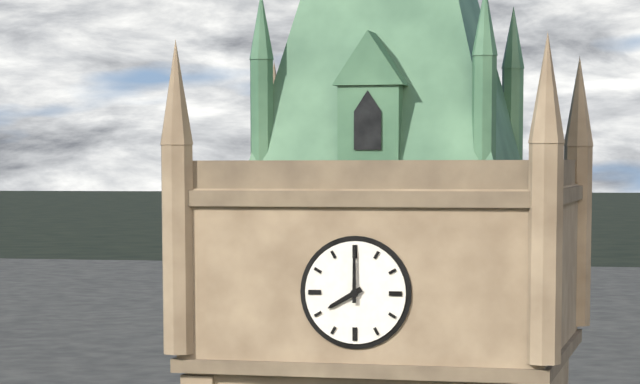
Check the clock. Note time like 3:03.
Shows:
8:00
